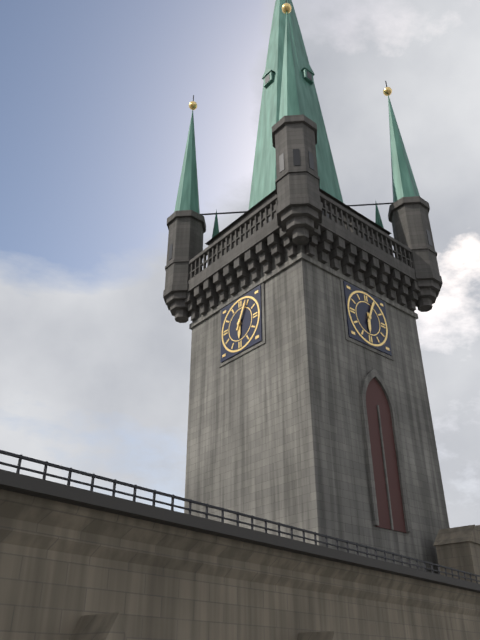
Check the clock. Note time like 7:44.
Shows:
6:04
